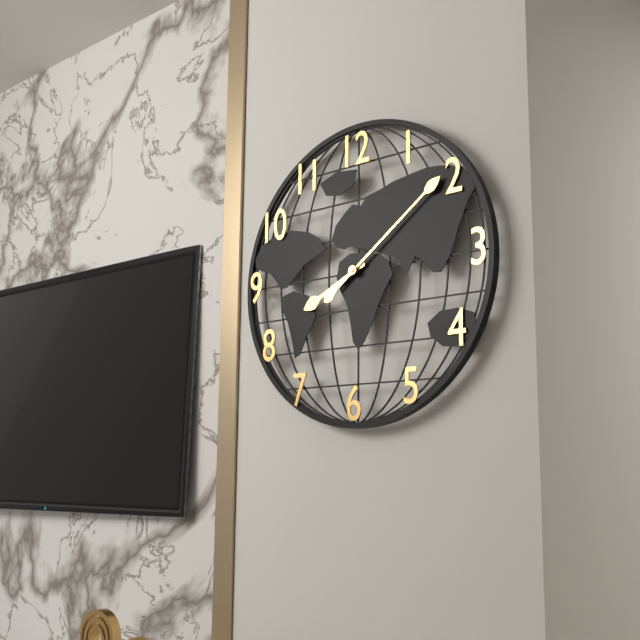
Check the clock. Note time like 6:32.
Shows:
8:09
